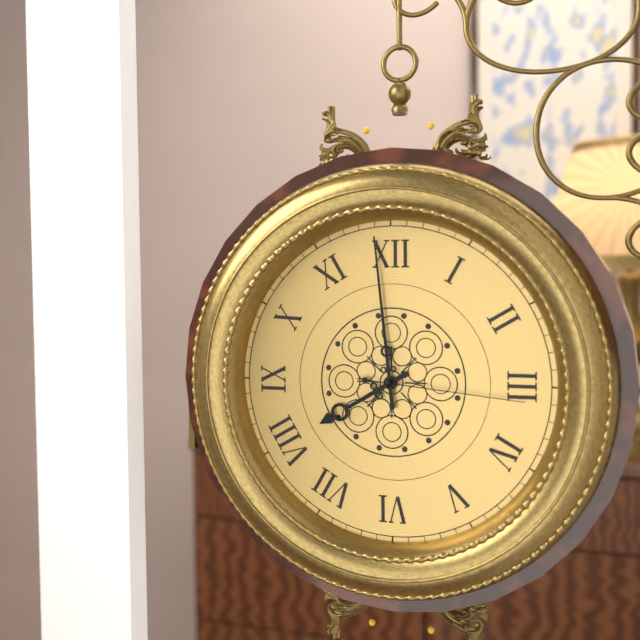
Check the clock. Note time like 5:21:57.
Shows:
7:59:16
